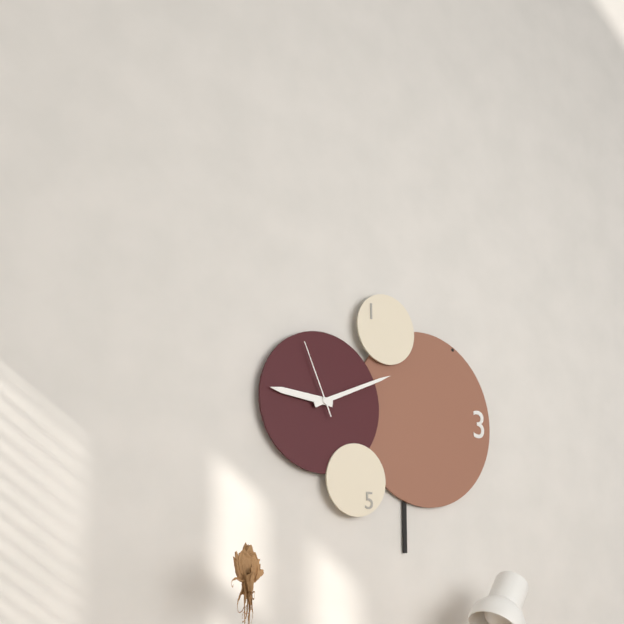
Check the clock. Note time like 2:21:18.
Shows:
9:11:56
